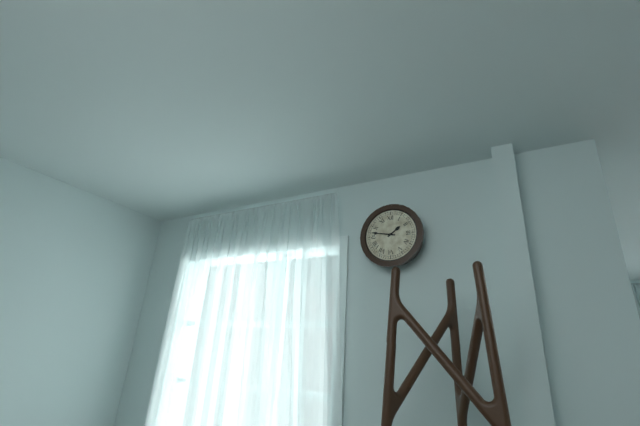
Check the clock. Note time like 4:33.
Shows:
1:47
